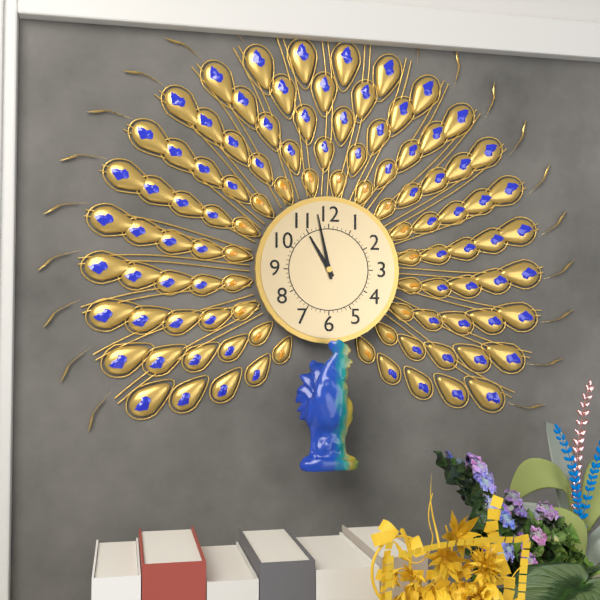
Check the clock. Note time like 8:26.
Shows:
10:58
